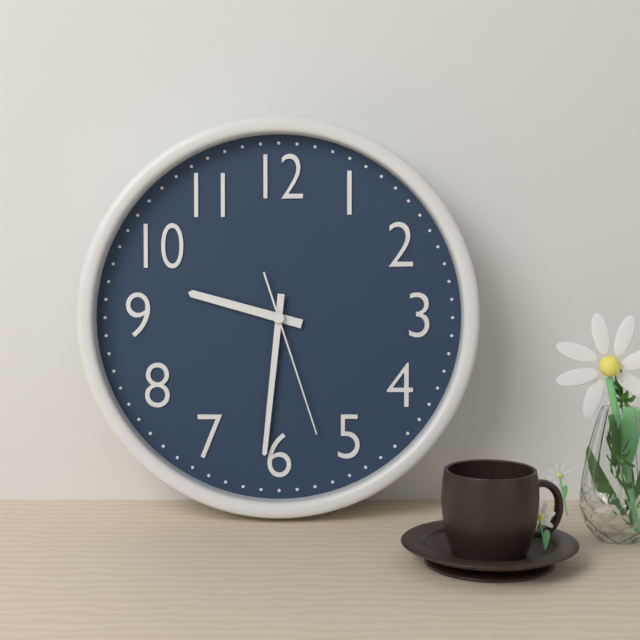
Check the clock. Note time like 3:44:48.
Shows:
9:31:27
